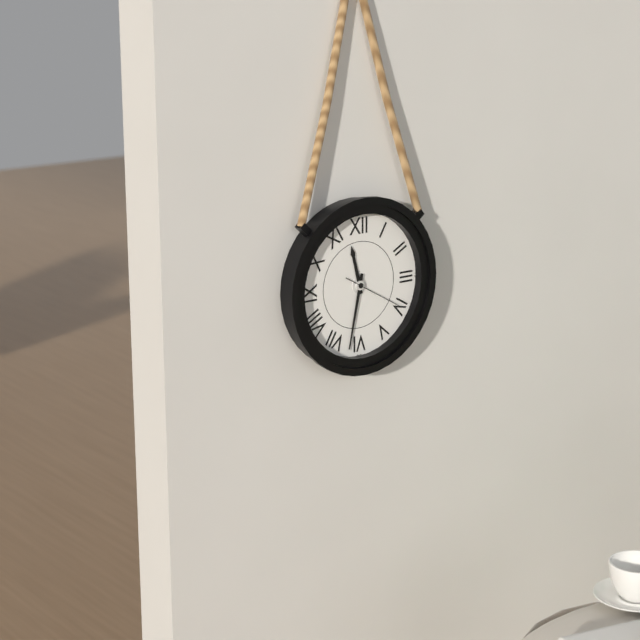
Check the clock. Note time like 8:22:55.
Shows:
11:32:20
